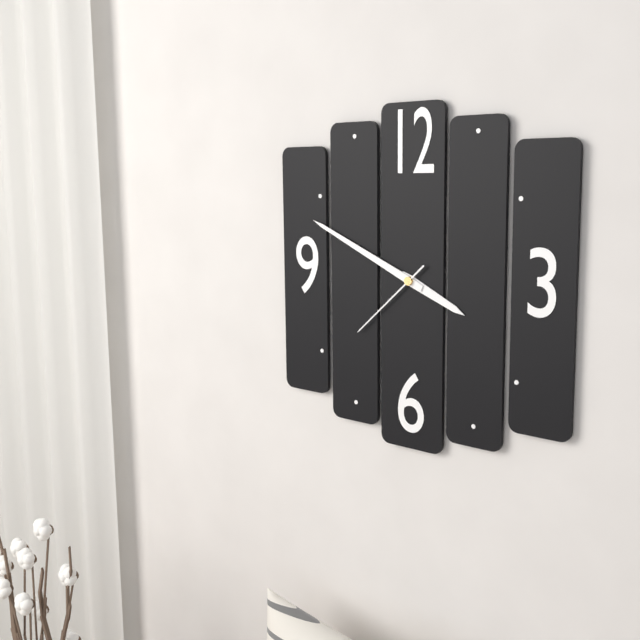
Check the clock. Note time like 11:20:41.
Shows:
3:49:38
